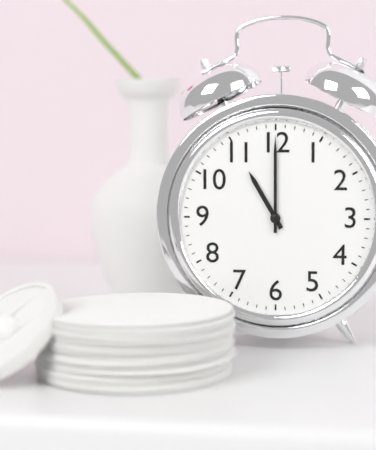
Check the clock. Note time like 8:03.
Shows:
11:00
